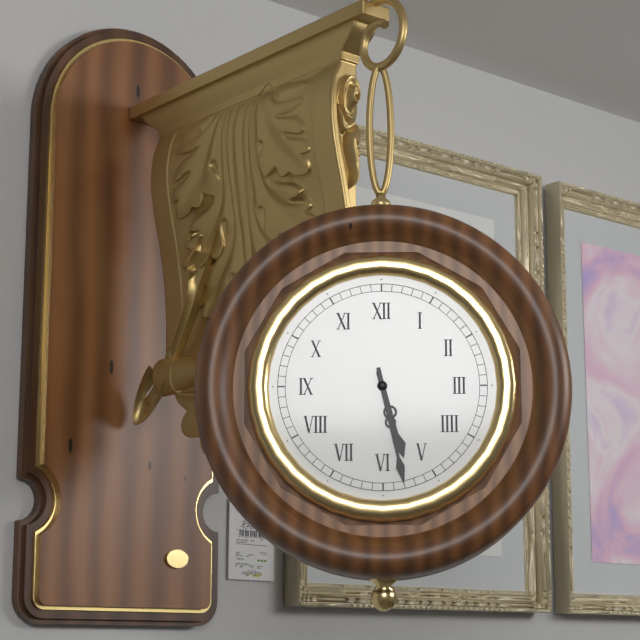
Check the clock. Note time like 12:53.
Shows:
5:28
